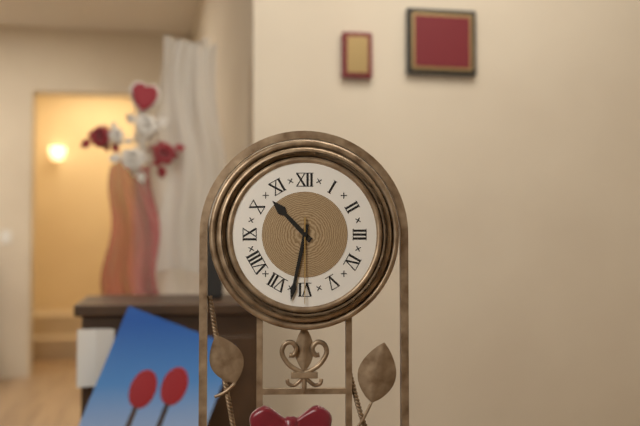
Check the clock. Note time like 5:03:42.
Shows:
10:32:30
